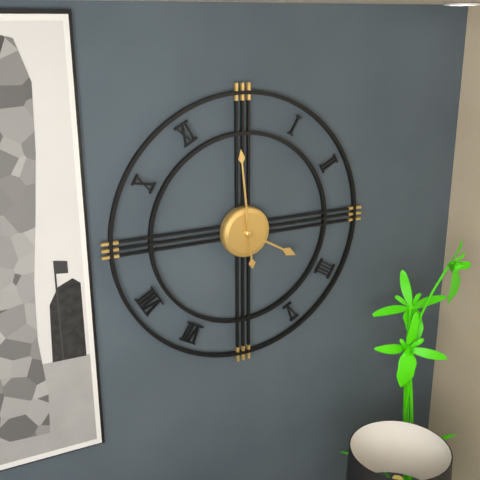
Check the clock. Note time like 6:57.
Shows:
3:59
